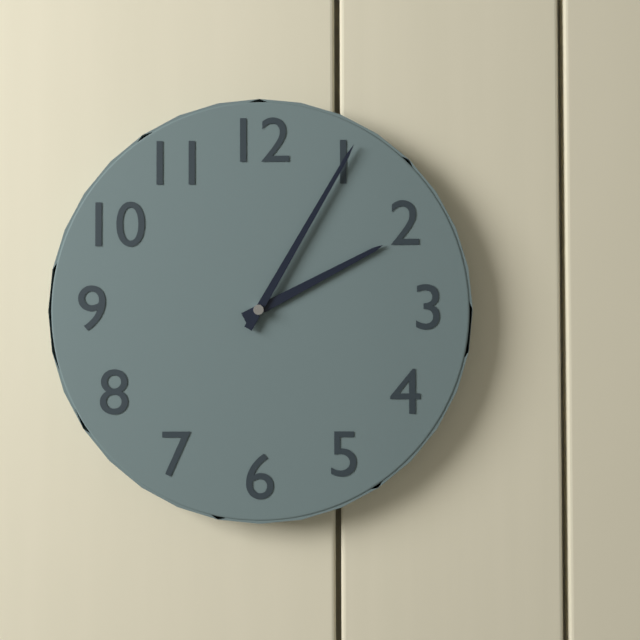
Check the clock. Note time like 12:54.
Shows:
2:05
